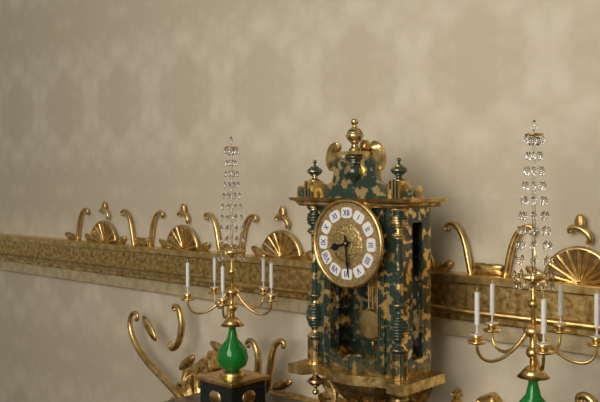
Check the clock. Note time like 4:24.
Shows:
8:29
